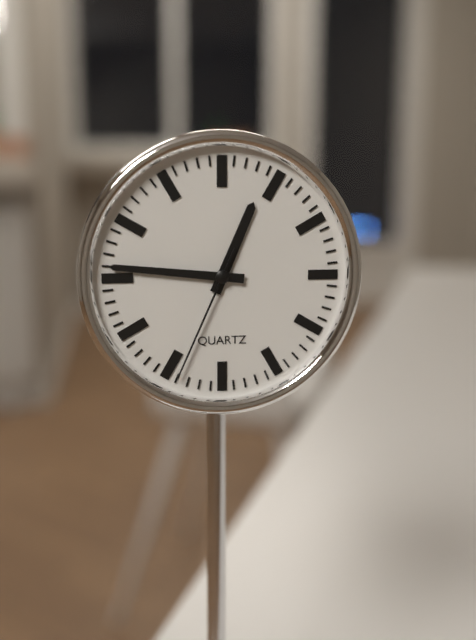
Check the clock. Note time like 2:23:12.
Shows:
12:46:34
